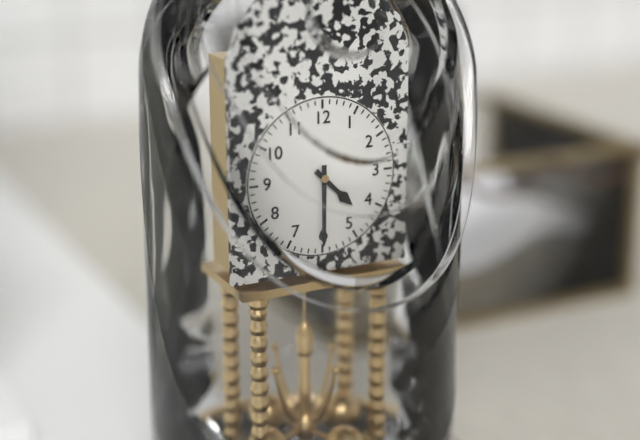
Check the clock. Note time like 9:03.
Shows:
4:30
